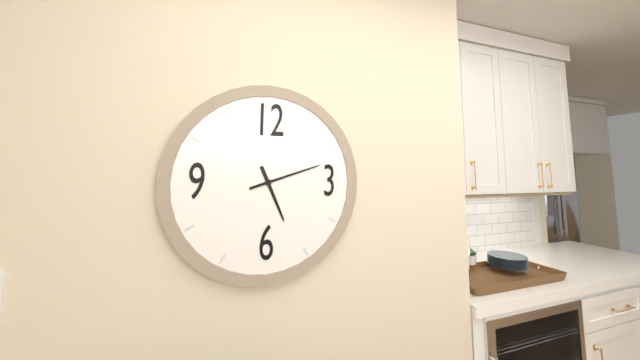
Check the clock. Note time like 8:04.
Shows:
5:12
